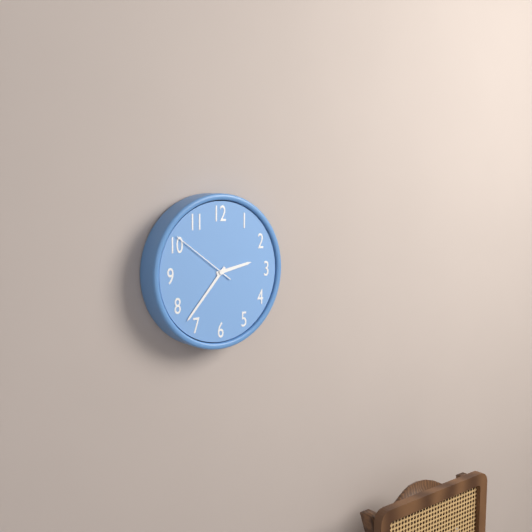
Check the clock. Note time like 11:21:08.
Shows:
2:37:51
